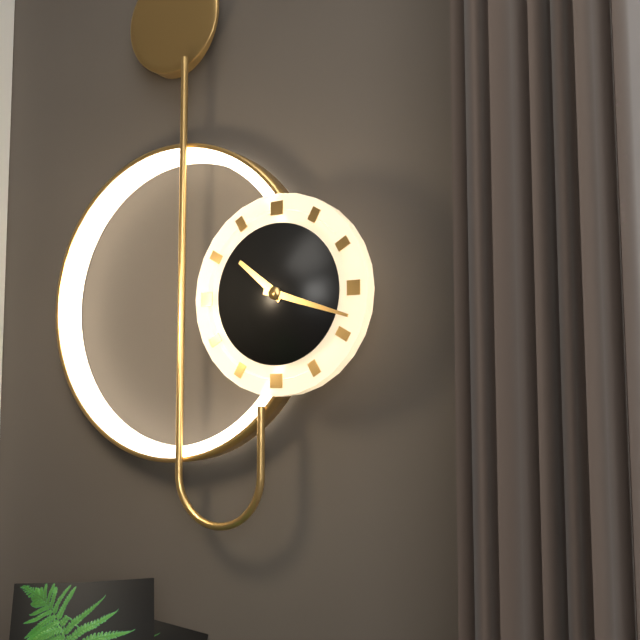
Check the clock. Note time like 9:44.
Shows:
10:18
